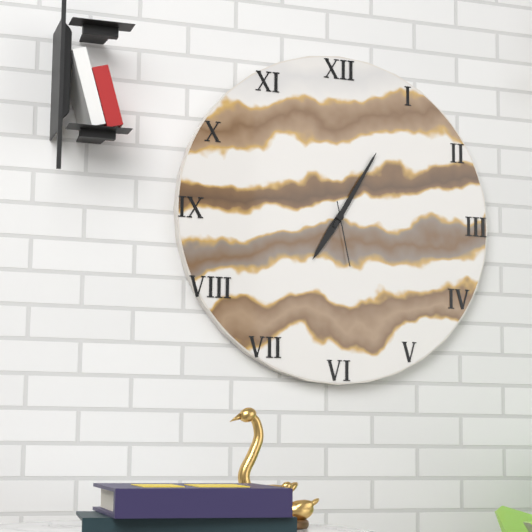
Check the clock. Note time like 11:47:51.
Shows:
7:05:28
